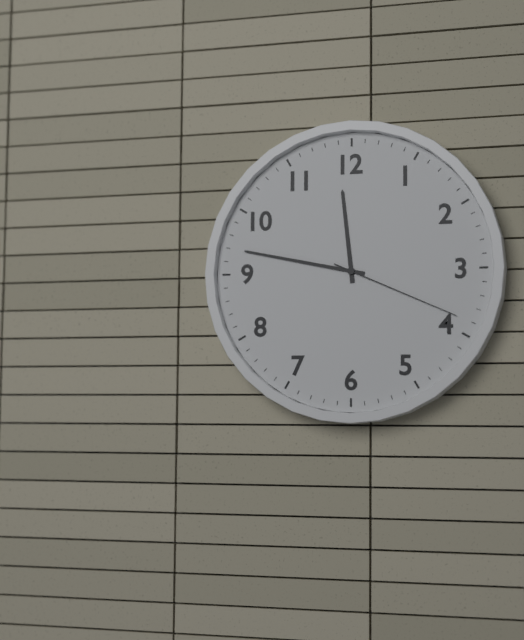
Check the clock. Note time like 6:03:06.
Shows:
11:47:19
